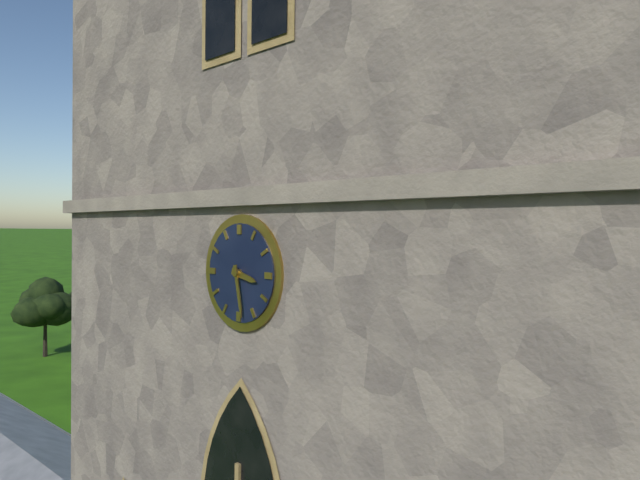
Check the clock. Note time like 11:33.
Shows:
3:28
